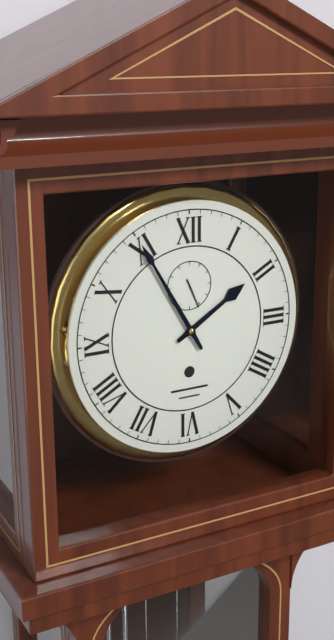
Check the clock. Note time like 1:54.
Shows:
1:55
